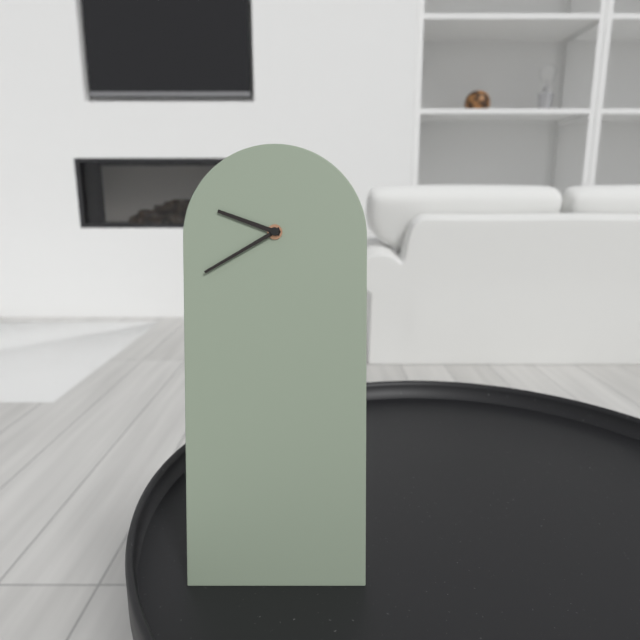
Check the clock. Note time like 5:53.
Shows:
9:40
